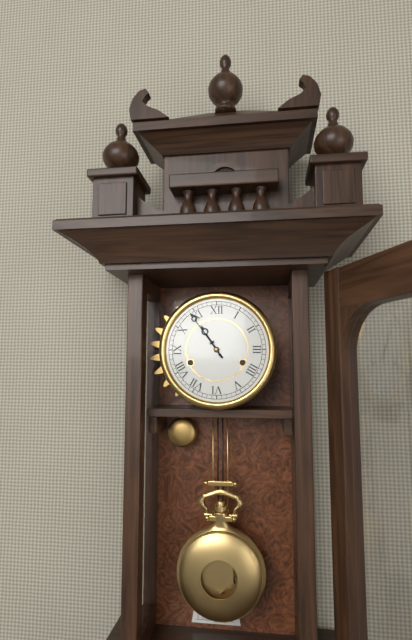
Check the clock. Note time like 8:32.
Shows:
10:54
